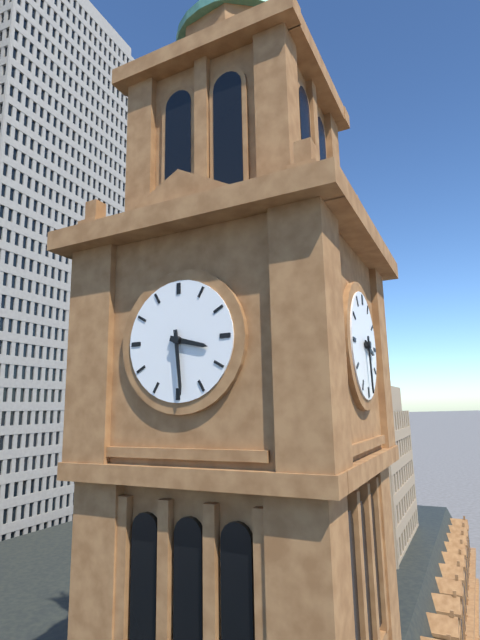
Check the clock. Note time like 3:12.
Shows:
3:29
